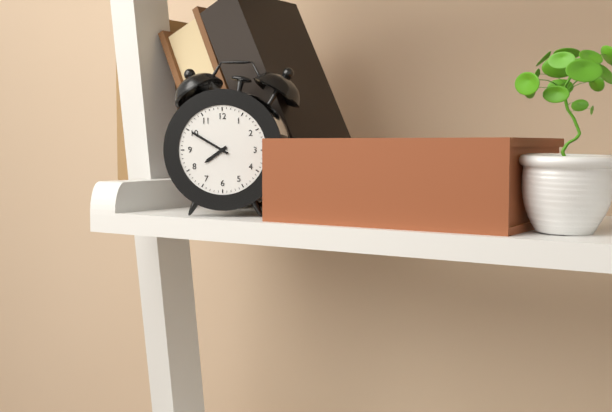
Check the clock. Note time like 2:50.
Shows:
7:50
